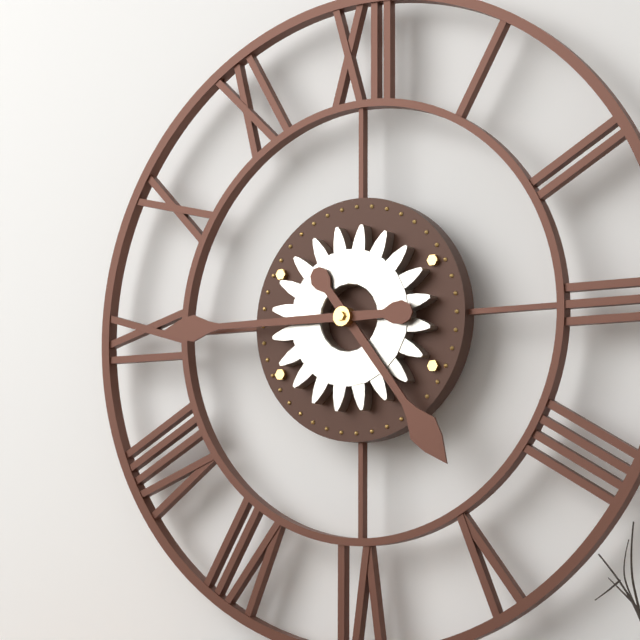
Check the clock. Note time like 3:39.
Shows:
4:45
